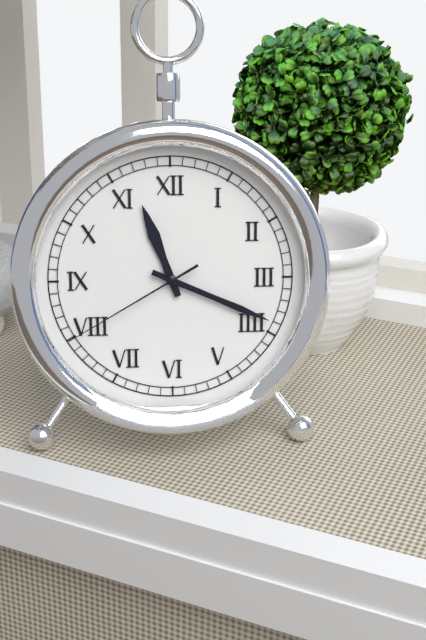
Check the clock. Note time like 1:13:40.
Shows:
11:19:40
